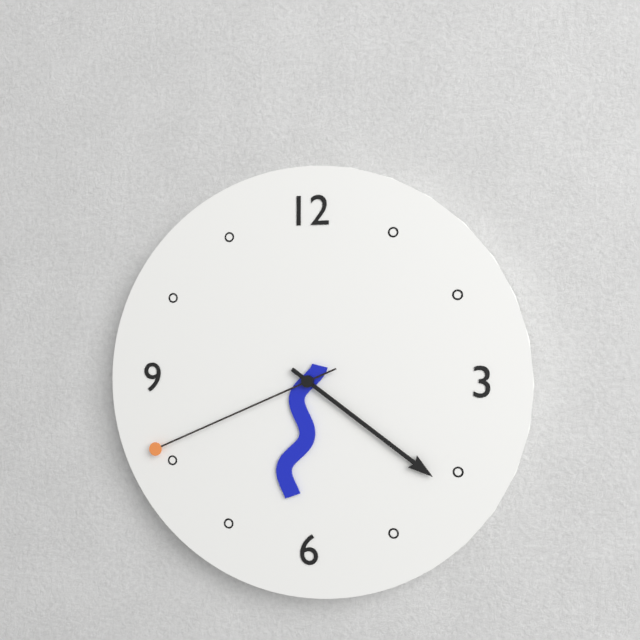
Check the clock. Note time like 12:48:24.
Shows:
6:21:41
